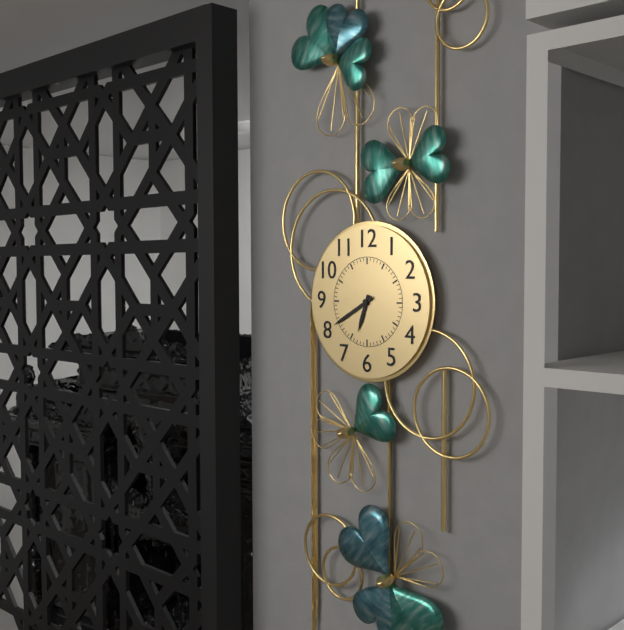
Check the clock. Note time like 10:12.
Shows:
6:40
